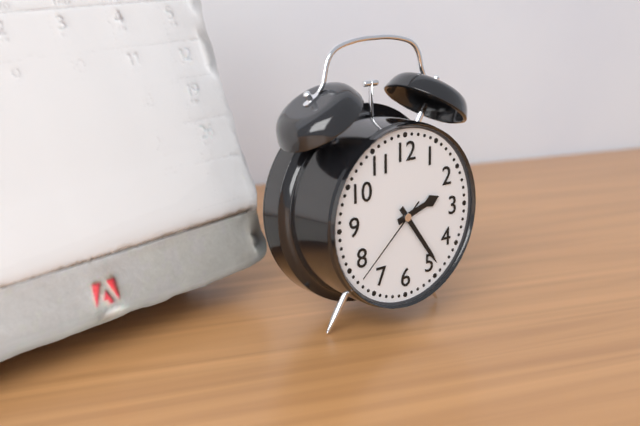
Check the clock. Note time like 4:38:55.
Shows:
2:24:38
